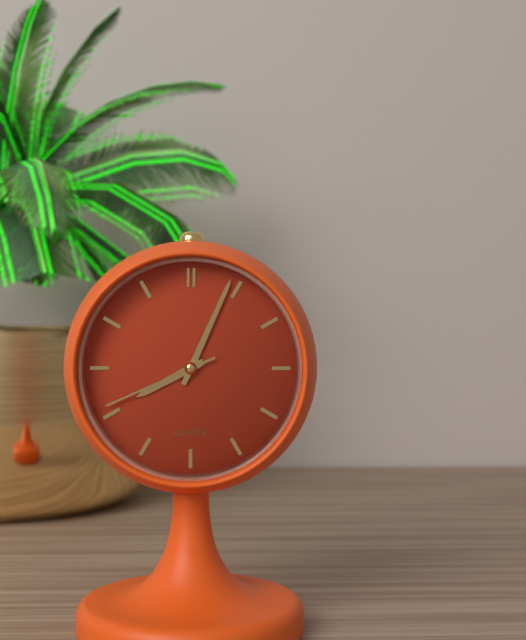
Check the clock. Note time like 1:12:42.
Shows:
8:04:41
